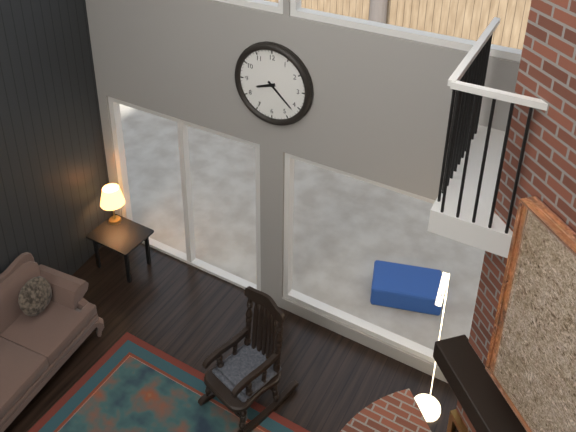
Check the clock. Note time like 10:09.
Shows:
8:22
